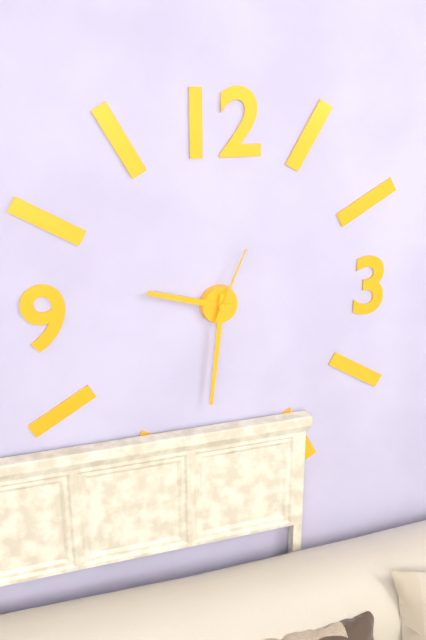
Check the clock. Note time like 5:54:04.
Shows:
9:31:04
